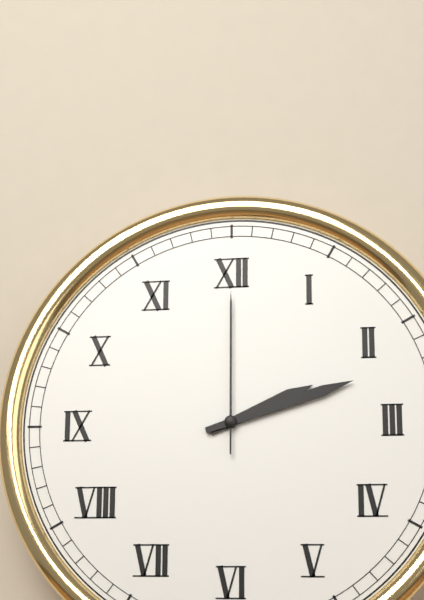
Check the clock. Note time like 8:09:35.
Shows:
2:12:00
